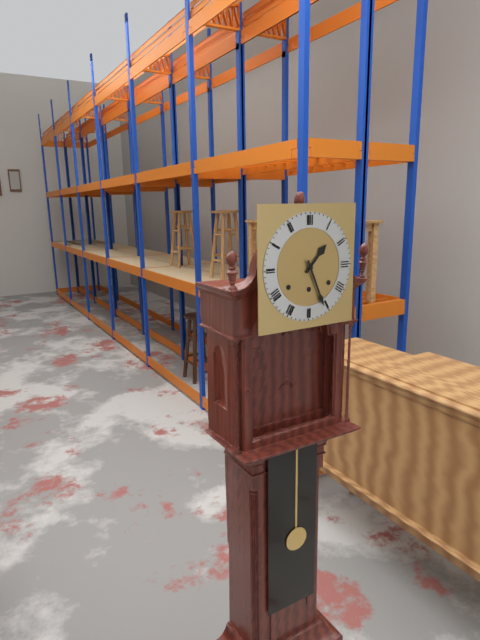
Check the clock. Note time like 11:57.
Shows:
1:26
